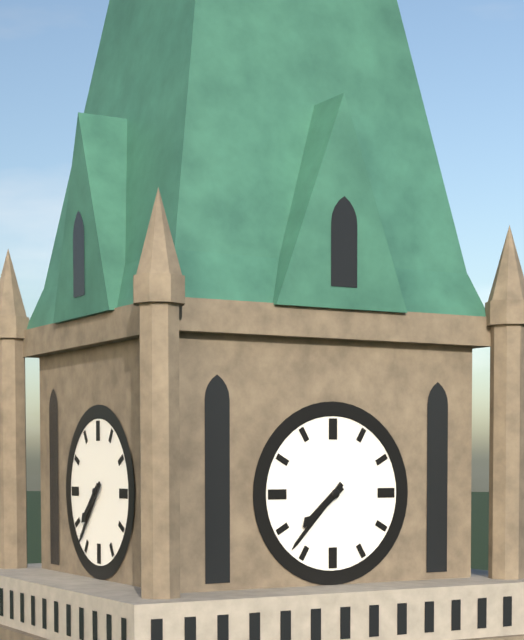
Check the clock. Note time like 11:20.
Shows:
7:37
